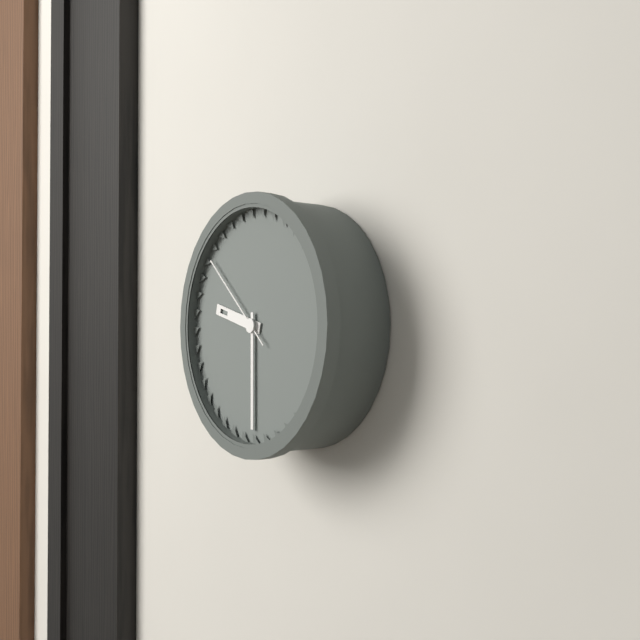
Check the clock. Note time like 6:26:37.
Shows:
9:30:52
